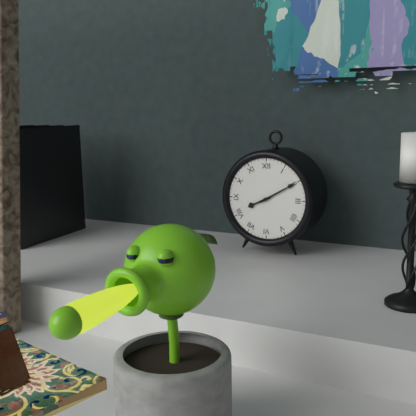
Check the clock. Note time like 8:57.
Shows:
8:10
